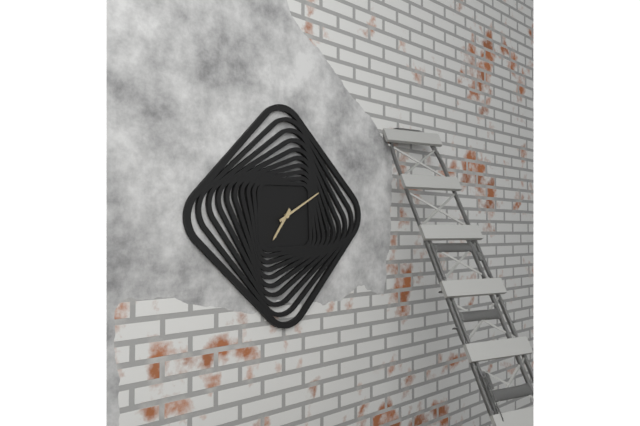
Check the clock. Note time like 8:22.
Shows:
7:10
